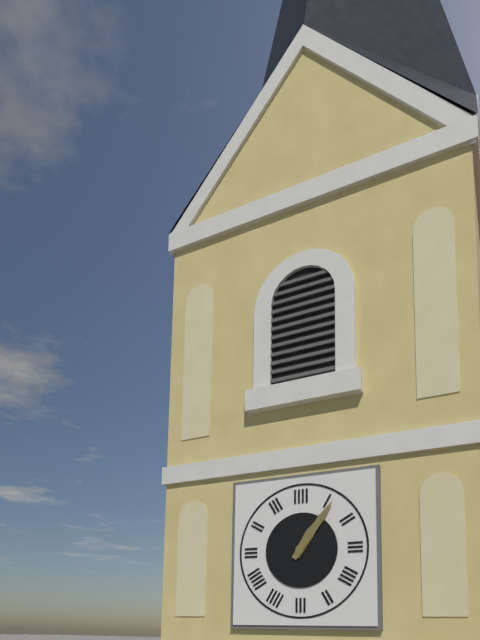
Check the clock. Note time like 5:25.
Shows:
1:06
